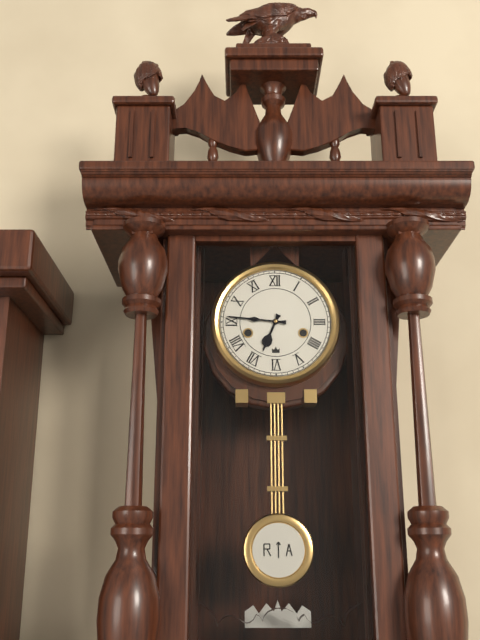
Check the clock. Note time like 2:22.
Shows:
6:46
